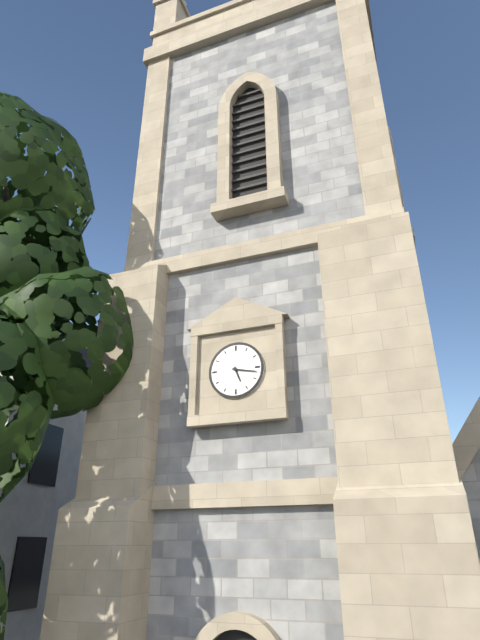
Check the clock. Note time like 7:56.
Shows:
5:17
